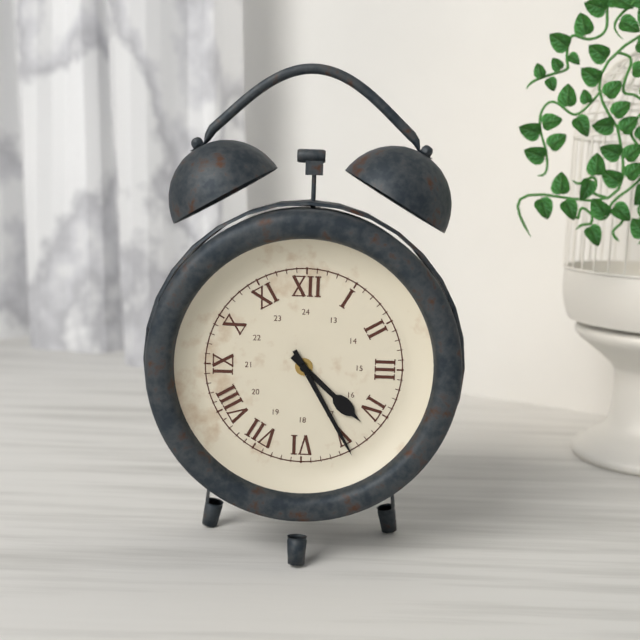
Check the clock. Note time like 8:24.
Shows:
4:25
